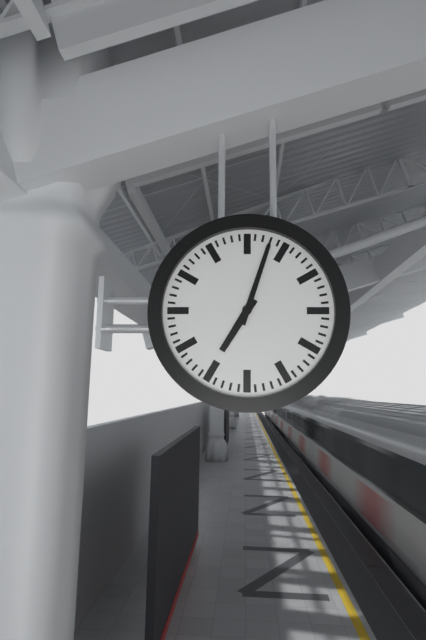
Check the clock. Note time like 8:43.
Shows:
7:03
